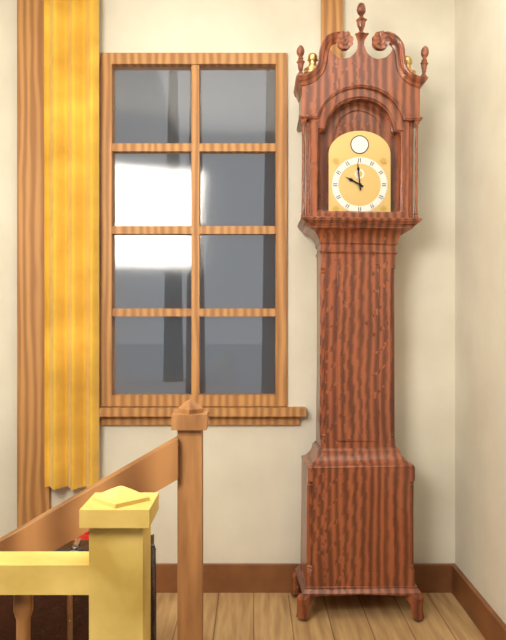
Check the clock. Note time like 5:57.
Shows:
9:59
